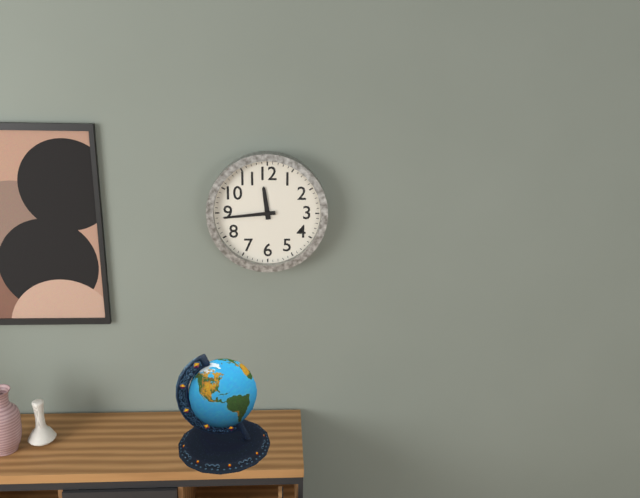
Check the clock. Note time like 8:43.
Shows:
11:44
